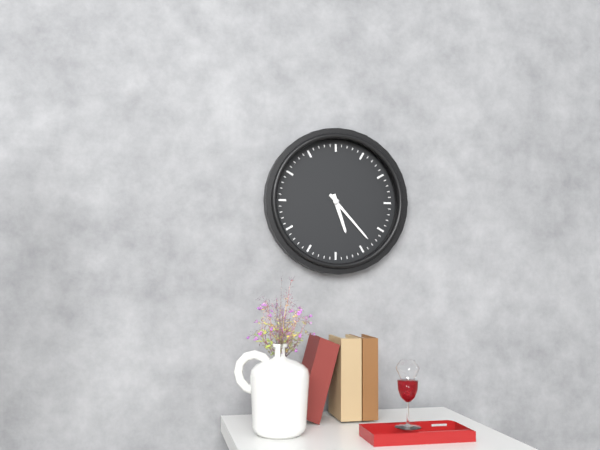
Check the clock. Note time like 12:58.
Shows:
5:23
